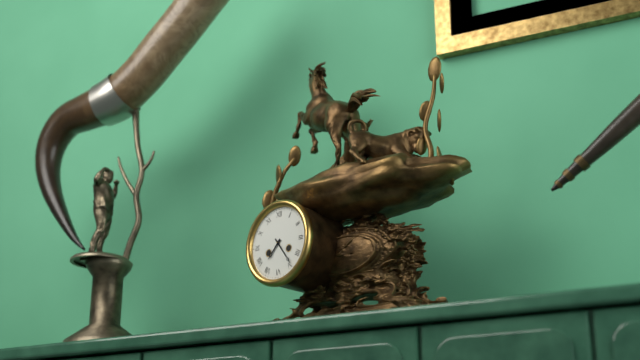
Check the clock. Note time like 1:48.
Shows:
7:24
